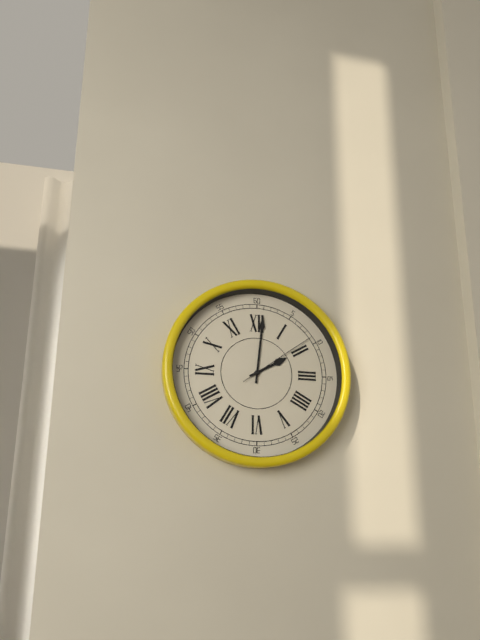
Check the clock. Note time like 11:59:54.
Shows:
2:01:09
